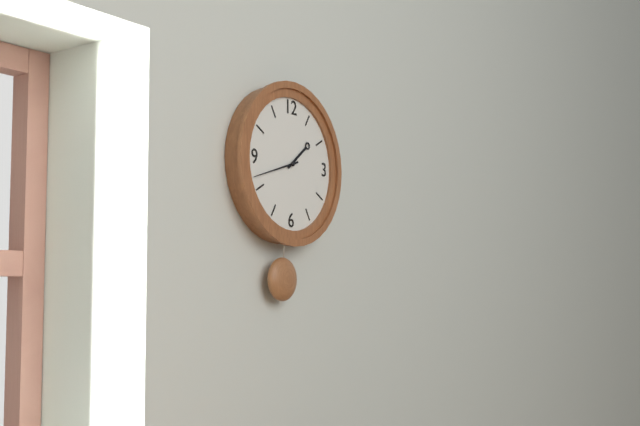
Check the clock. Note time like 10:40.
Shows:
1:42
